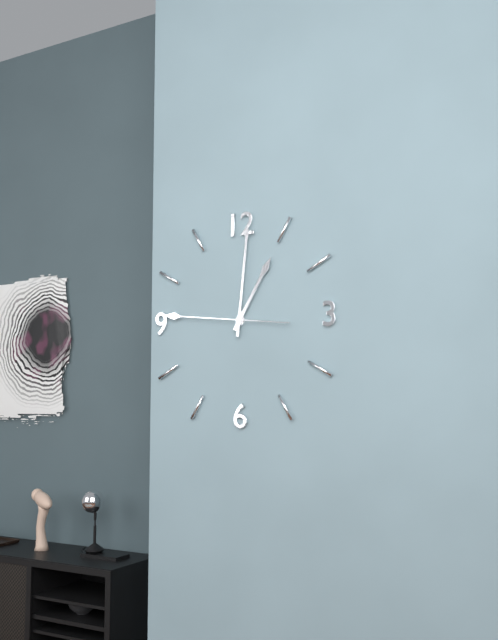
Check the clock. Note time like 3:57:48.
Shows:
1:01:46
